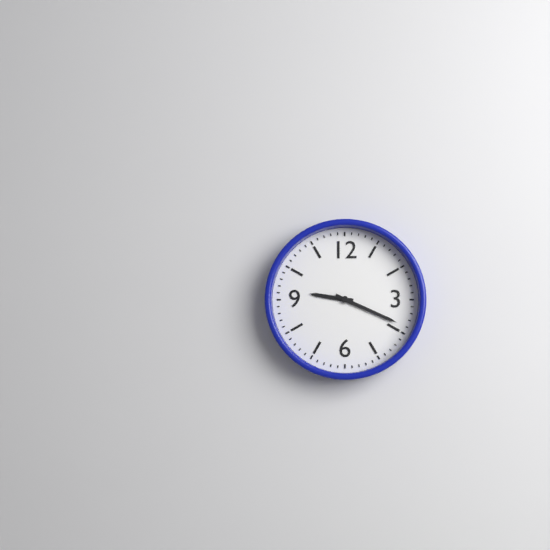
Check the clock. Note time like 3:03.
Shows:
9:19
